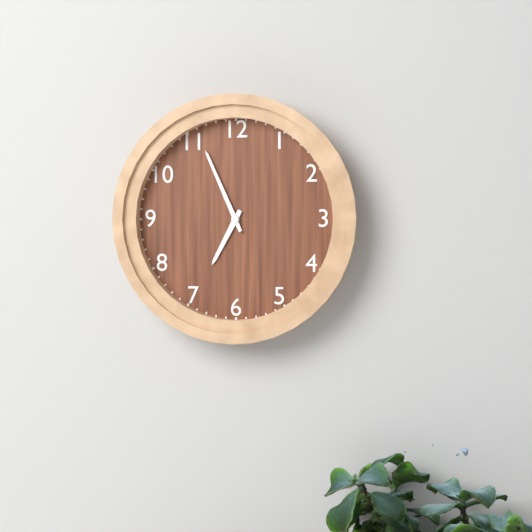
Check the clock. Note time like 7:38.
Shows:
6:56
